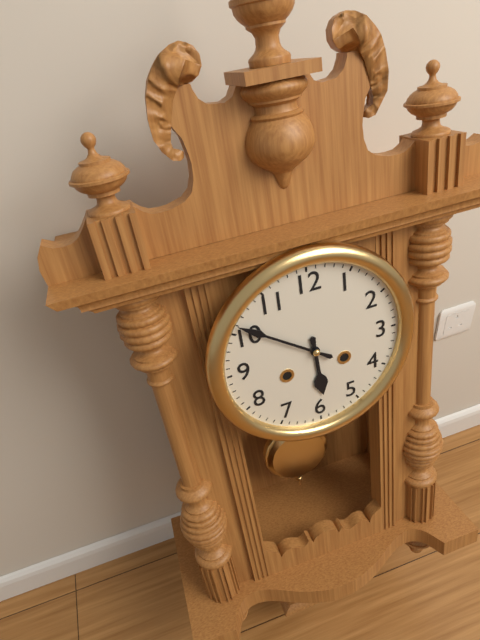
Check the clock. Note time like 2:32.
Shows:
5:51
